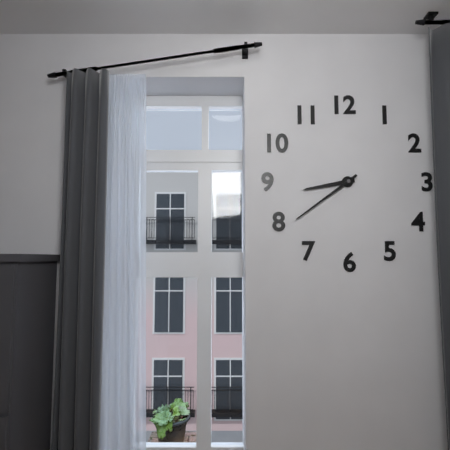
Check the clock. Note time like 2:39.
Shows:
8:39
